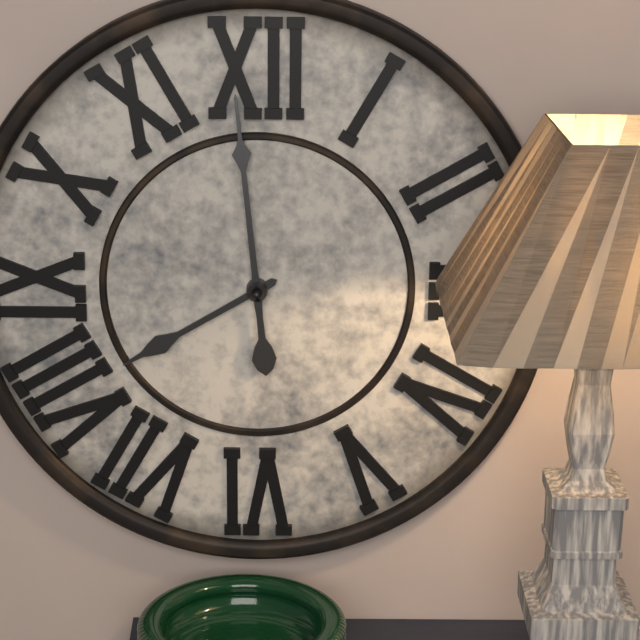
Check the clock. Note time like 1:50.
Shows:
7:59
